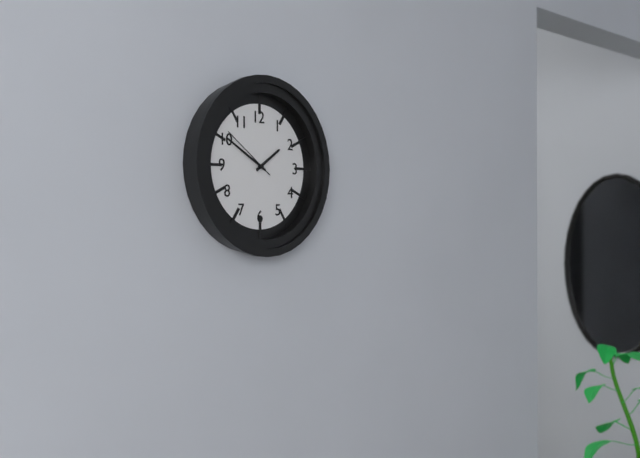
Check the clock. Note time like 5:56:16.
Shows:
1:50:51
